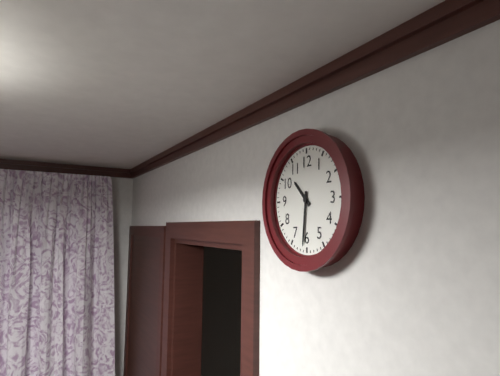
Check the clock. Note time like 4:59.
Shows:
10:31
